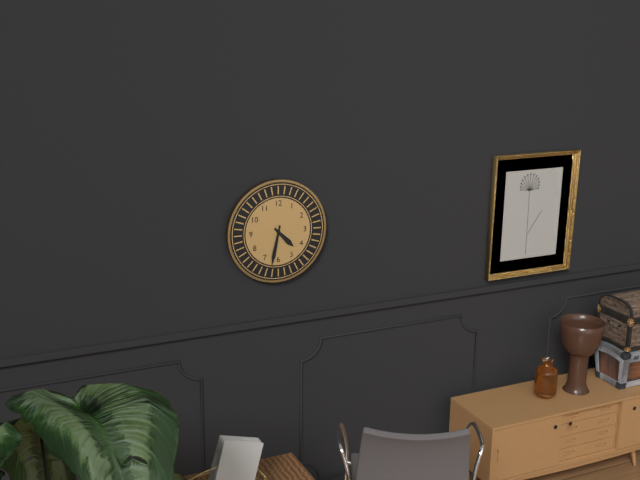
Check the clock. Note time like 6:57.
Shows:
4:32
